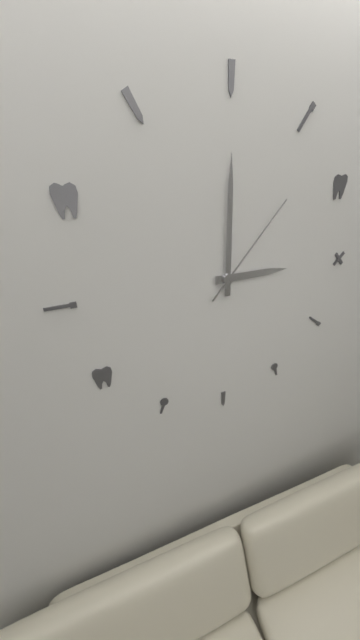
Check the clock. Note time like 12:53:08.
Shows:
3:00:07
